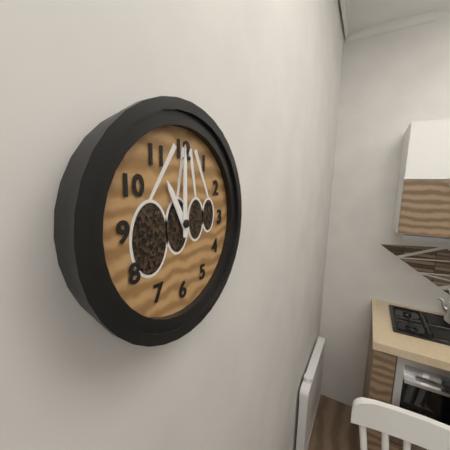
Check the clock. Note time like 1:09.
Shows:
11:00
